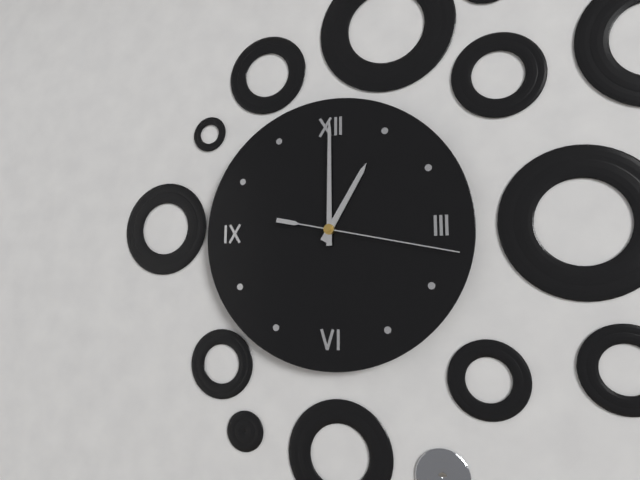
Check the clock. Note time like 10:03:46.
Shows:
1:00:17
